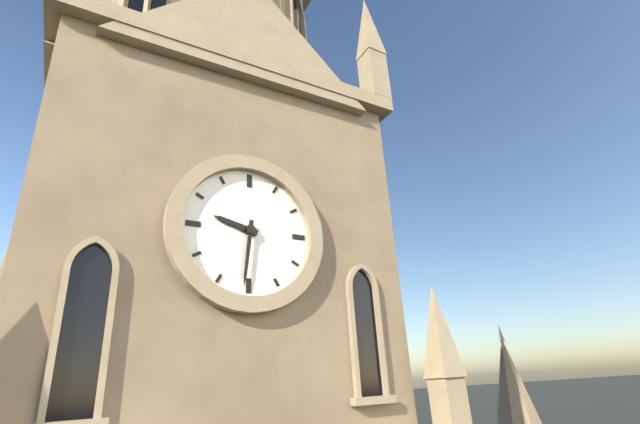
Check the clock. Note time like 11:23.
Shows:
9:31
